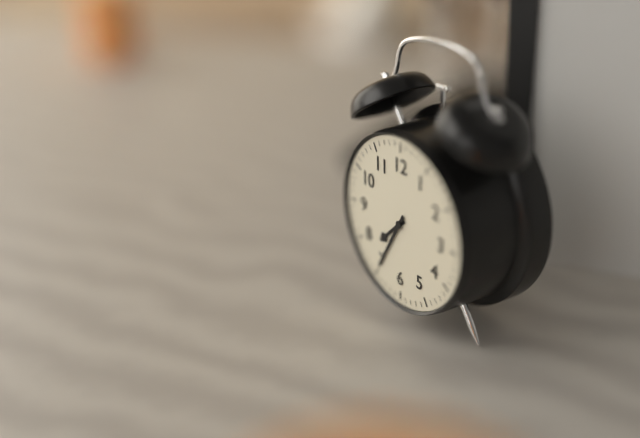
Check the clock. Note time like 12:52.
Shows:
7:35
